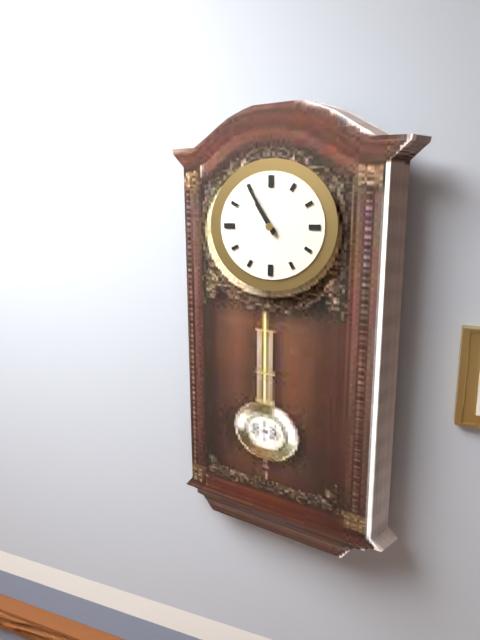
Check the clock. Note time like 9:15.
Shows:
10:55
